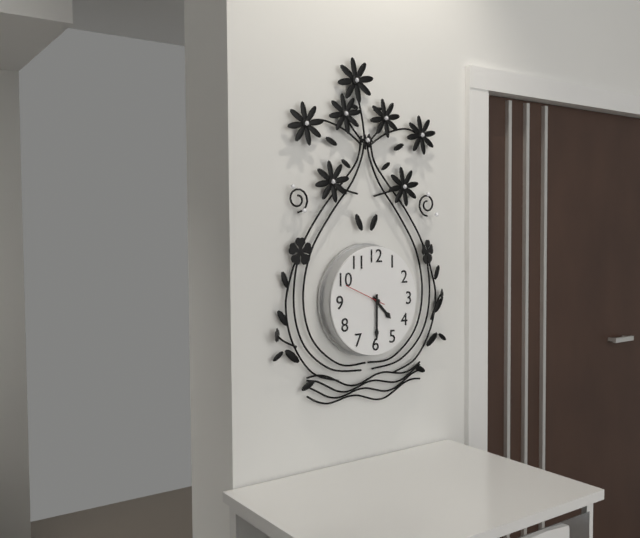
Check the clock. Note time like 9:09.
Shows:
4:30
